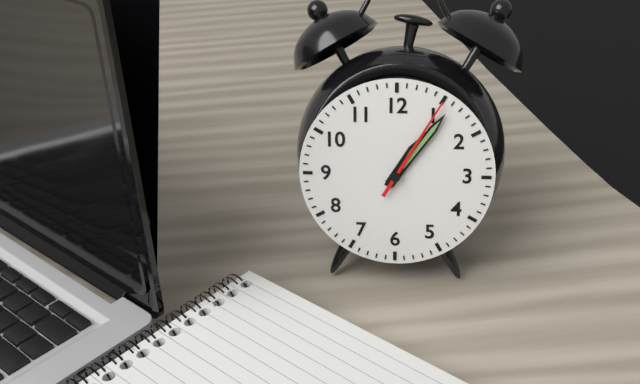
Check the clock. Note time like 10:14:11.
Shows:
1:06:05
